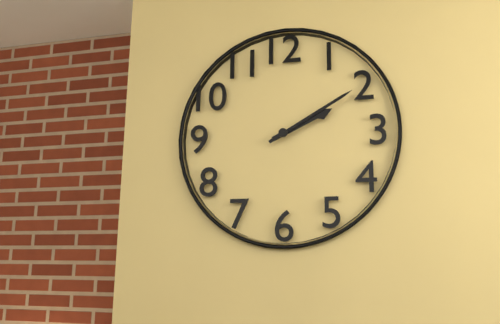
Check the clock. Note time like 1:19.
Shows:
2:10
